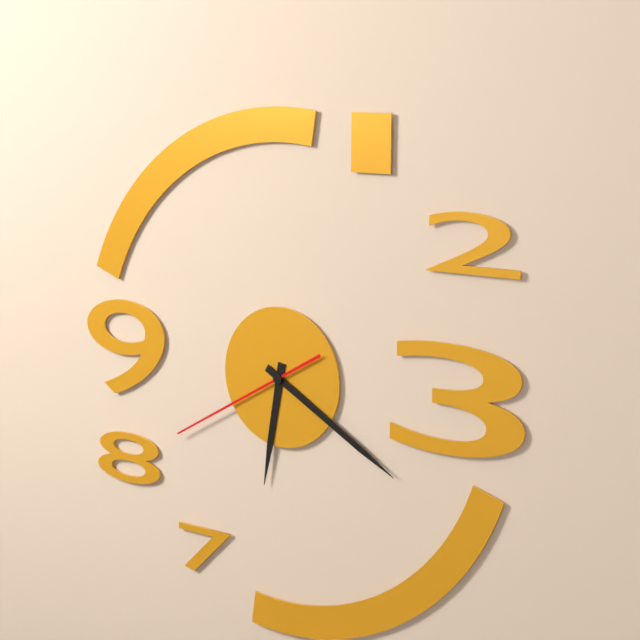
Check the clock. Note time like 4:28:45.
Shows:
6:20:40
